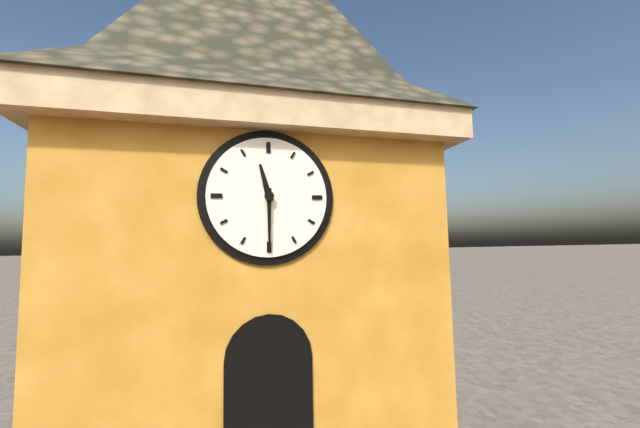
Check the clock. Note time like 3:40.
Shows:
11:30
